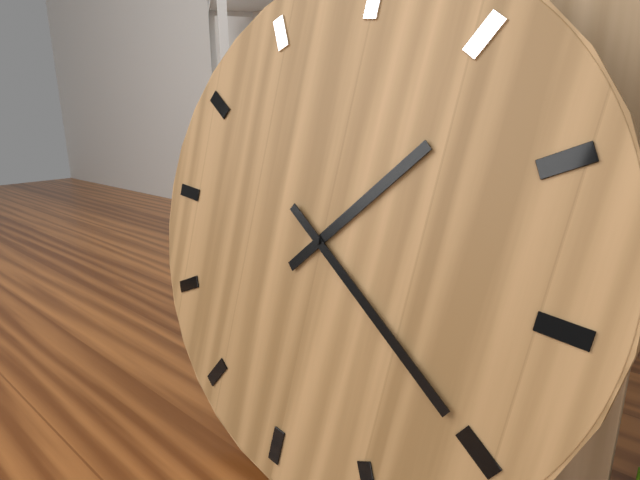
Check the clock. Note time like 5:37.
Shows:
1:20
